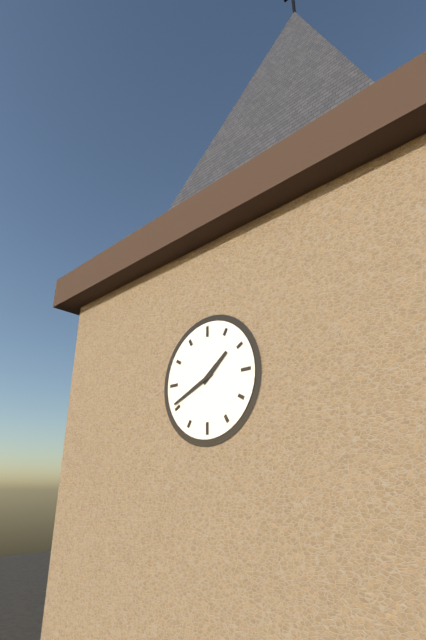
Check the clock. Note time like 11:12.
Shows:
1:41
